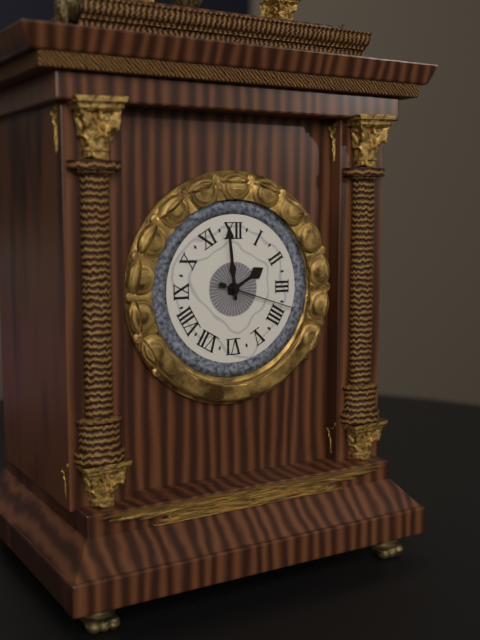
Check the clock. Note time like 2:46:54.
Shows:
1:59:18
